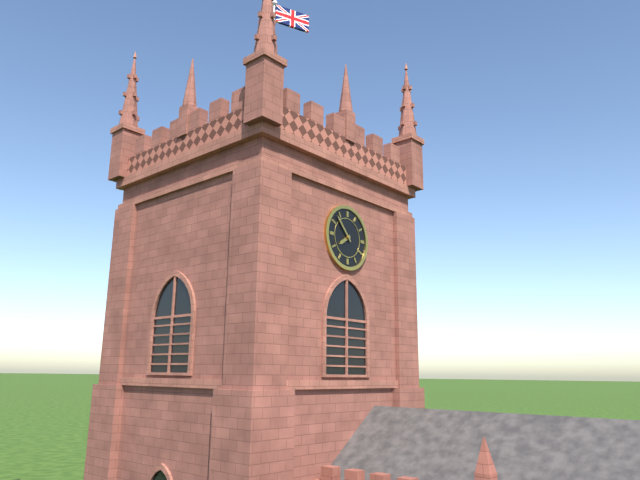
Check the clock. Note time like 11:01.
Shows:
7:53
